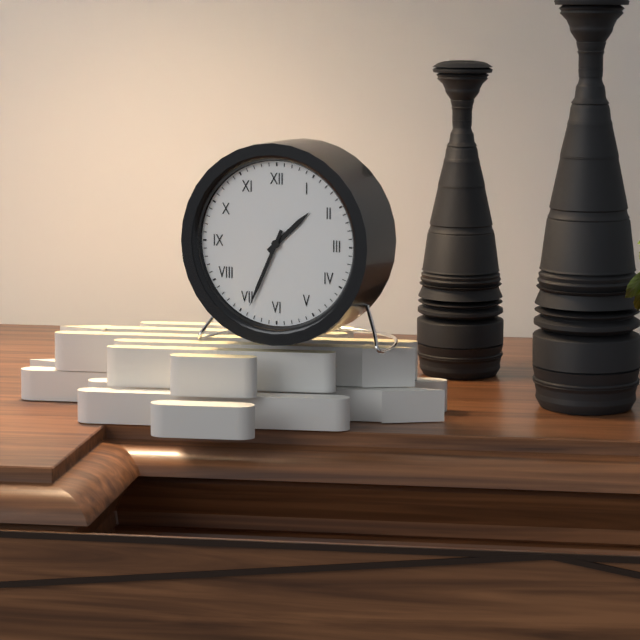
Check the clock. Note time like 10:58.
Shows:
1:34
